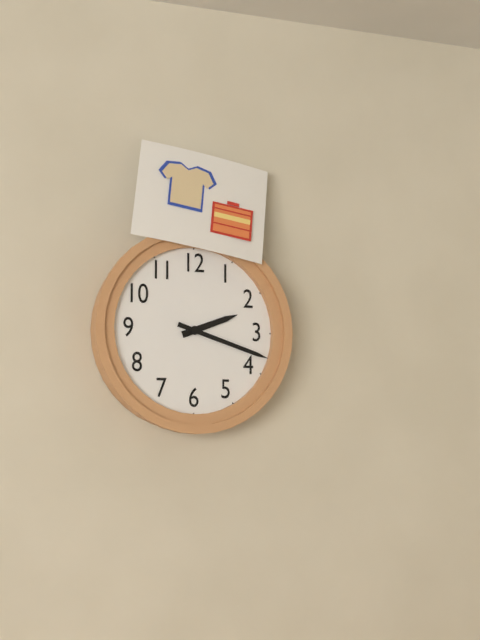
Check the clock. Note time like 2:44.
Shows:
2:18
